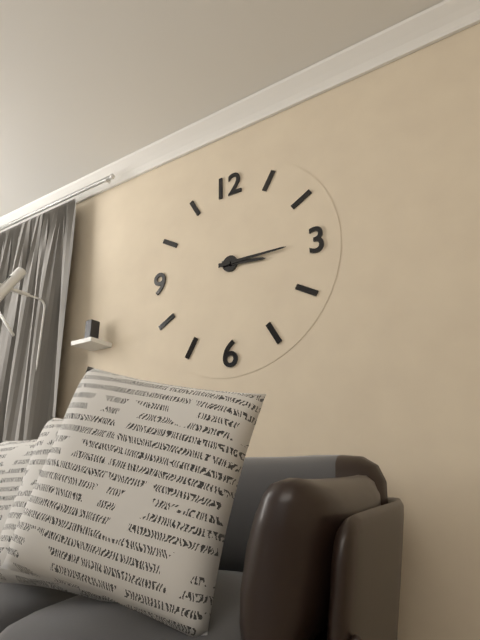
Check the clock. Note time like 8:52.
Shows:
3:15
